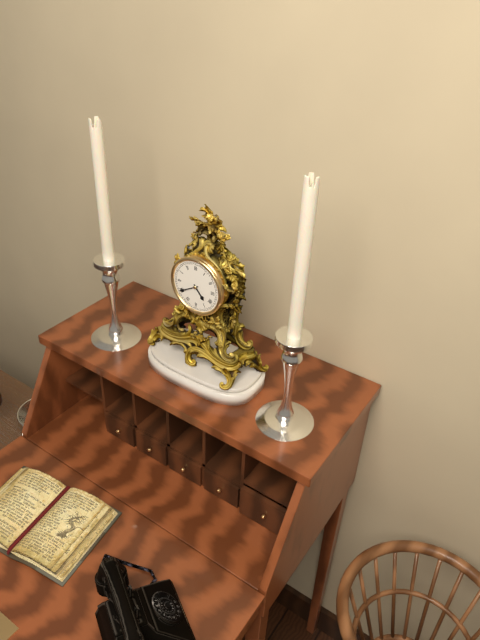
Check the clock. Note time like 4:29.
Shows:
4:40
